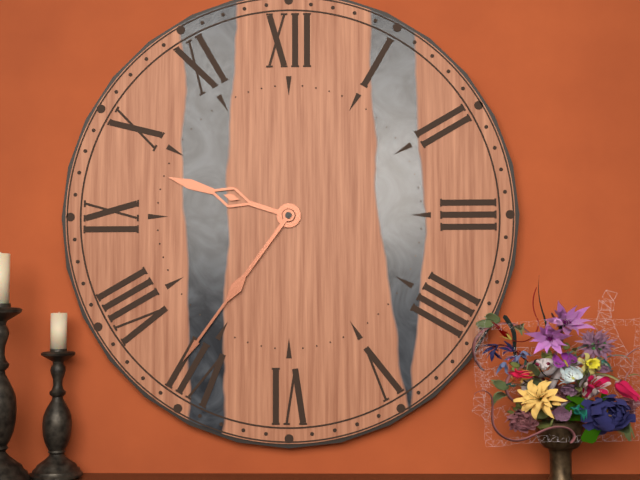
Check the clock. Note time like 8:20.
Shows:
9:36
